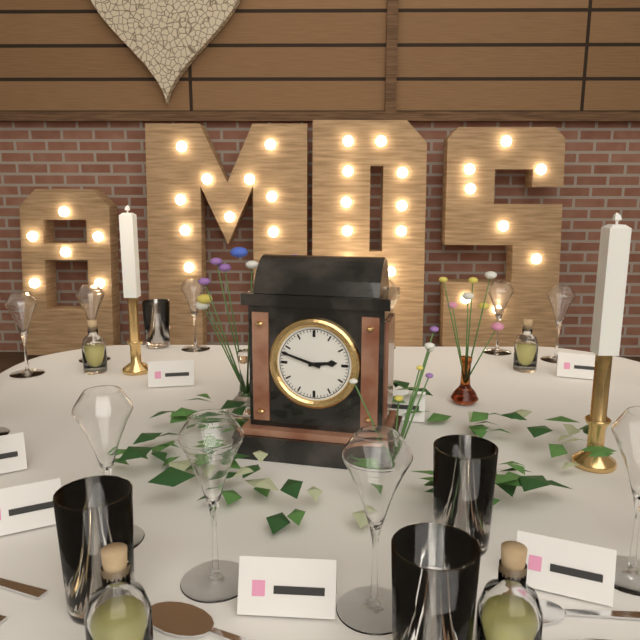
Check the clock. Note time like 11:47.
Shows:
2:48
